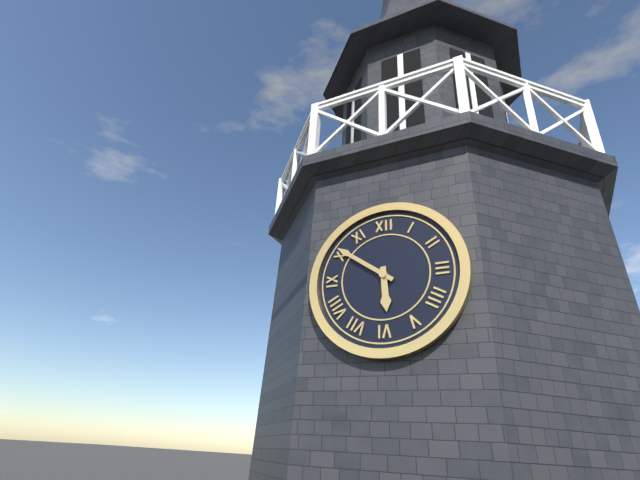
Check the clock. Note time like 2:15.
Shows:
5:51
